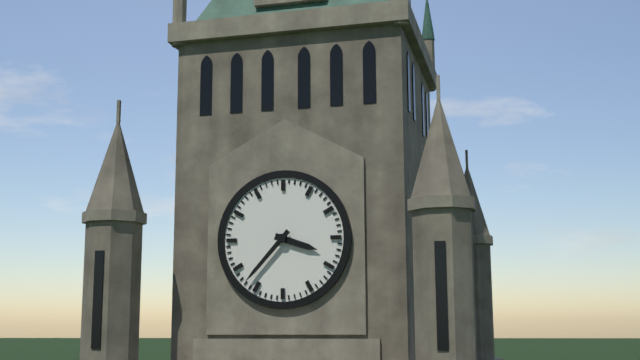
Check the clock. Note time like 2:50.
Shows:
3:37
